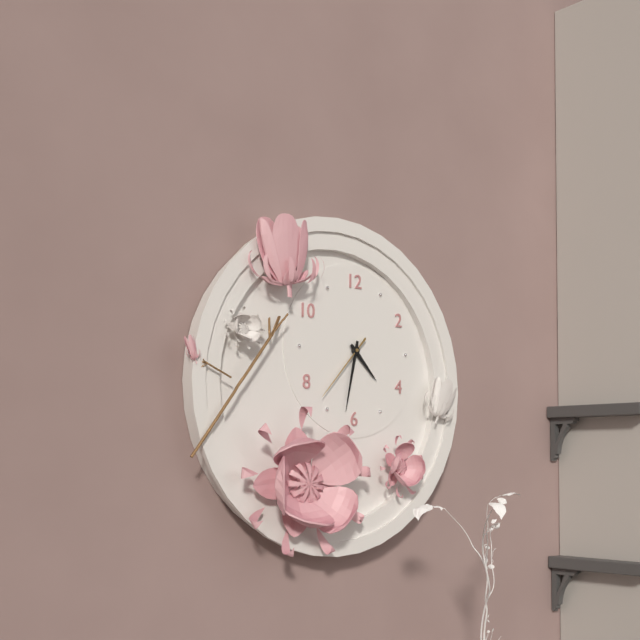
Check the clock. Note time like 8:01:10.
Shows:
4:32:37
